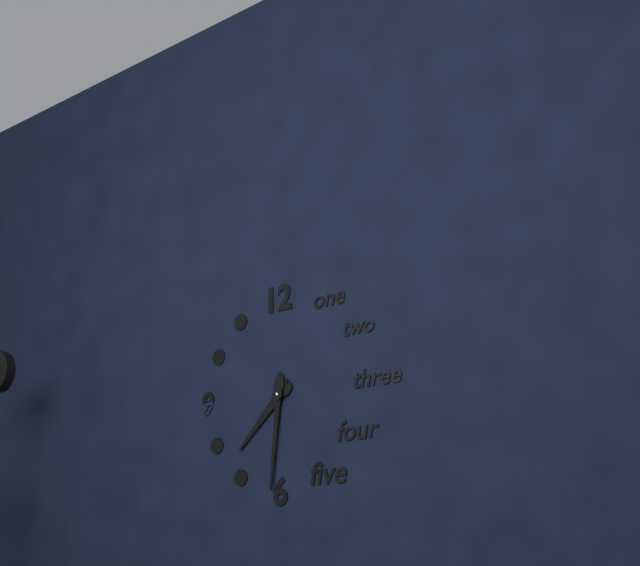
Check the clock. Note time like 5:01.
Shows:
7:31
